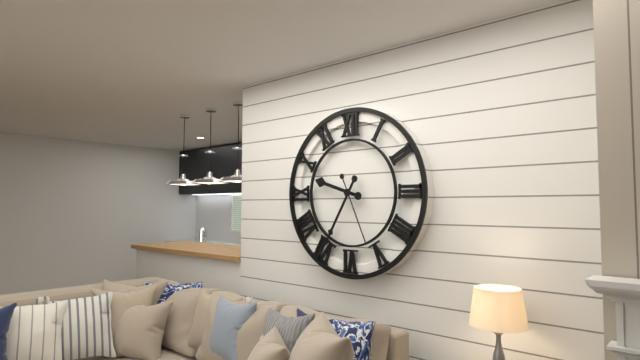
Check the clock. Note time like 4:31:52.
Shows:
9:35:26
